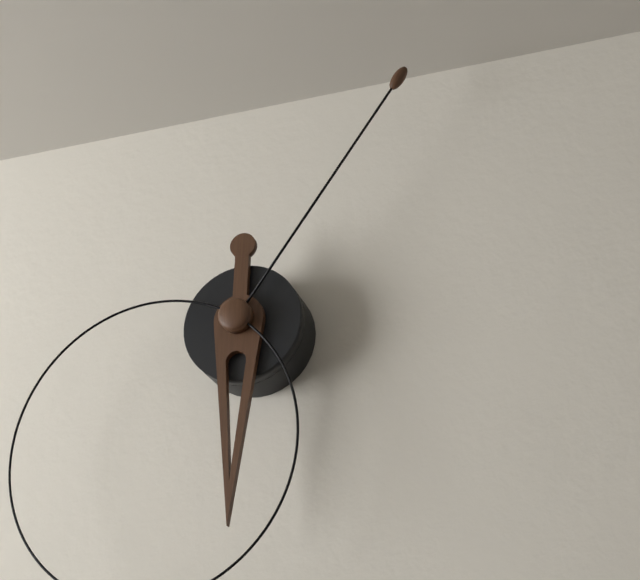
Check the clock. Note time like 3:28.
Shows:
6:06
